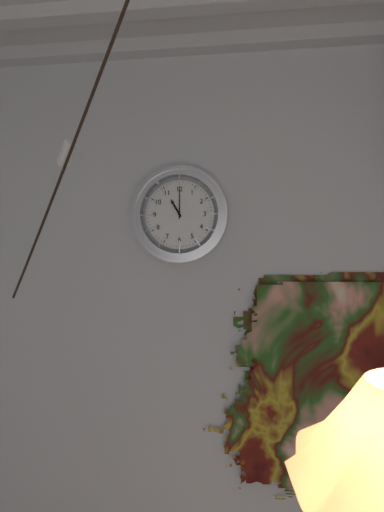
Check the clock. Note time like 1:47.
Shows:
11:00
